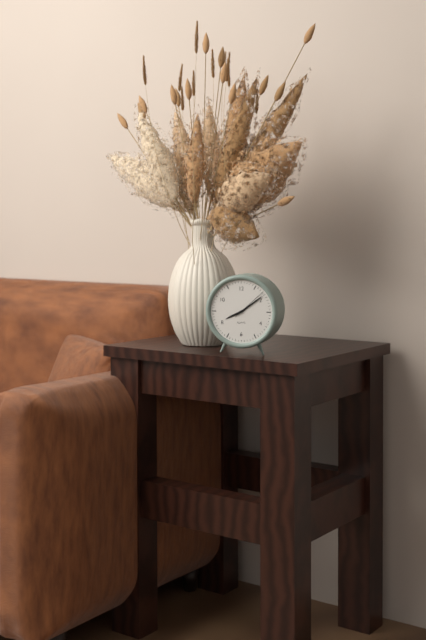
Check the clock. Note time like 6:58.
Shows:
8:09
